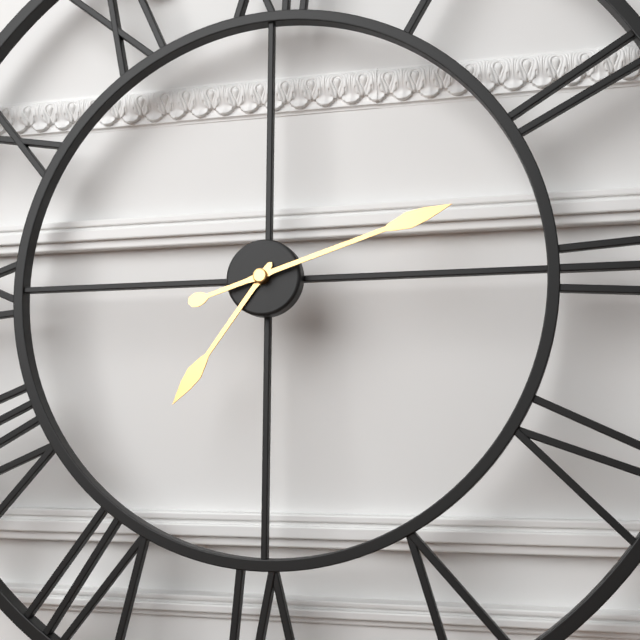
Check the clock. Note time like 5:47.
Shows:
7:12
